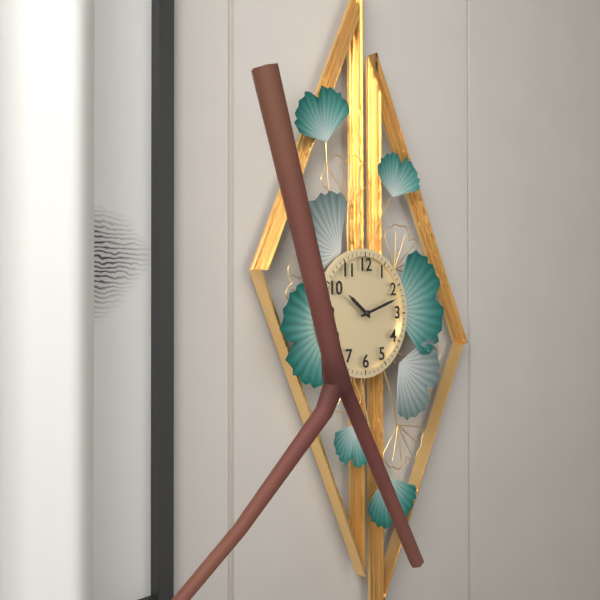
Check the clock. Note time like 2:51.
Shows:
10:12
